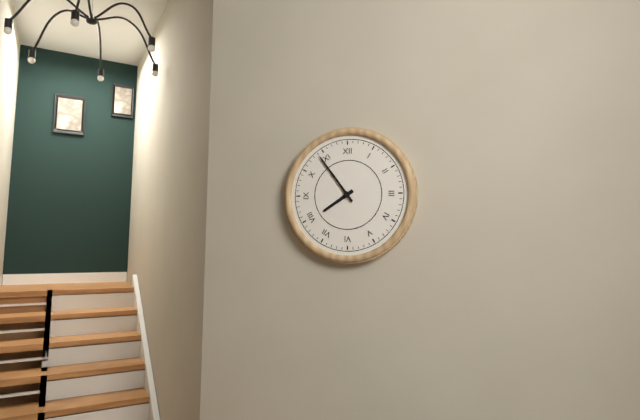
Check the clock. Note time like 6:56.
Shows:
7:54
